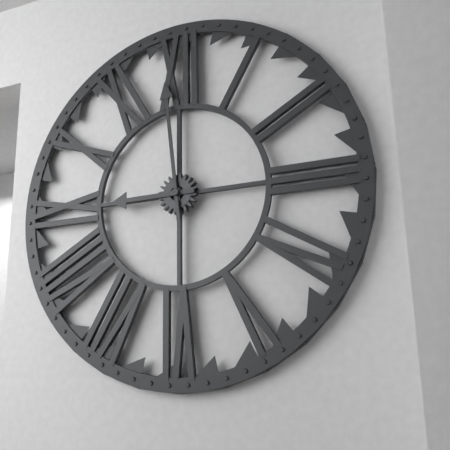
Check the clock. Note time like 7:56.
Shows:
8:59
